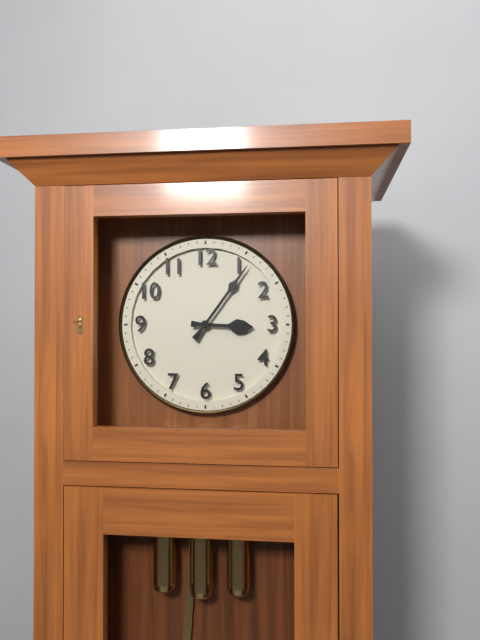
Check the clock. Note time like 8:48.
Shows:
3:06
